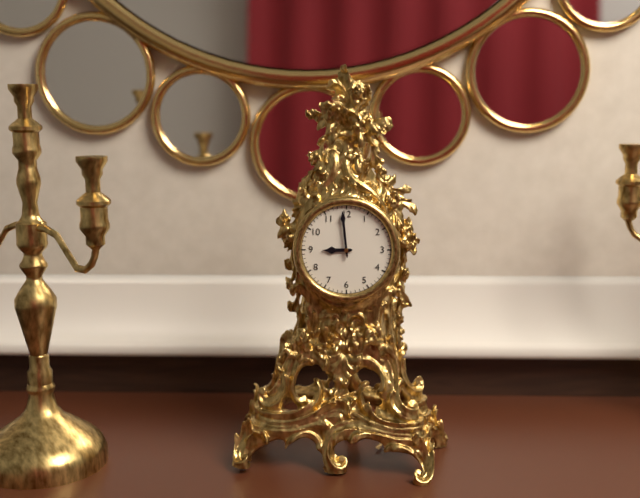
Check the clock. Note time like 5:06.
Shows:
8:59
